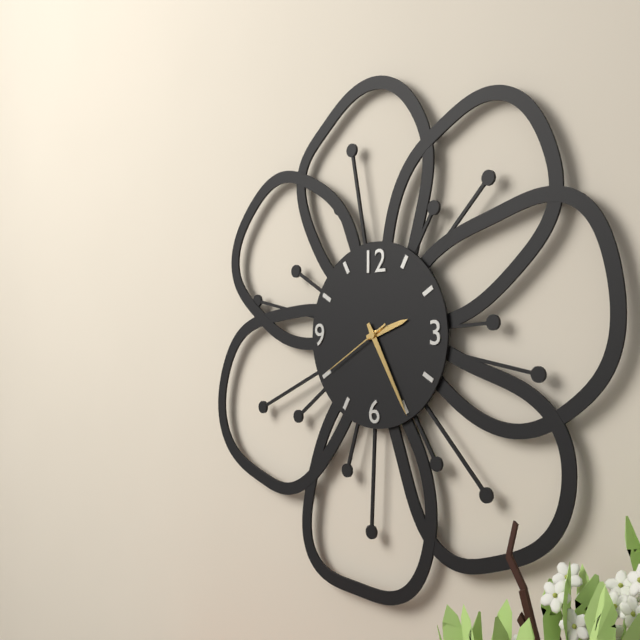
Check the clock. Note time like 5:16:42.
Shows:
2:25:40
